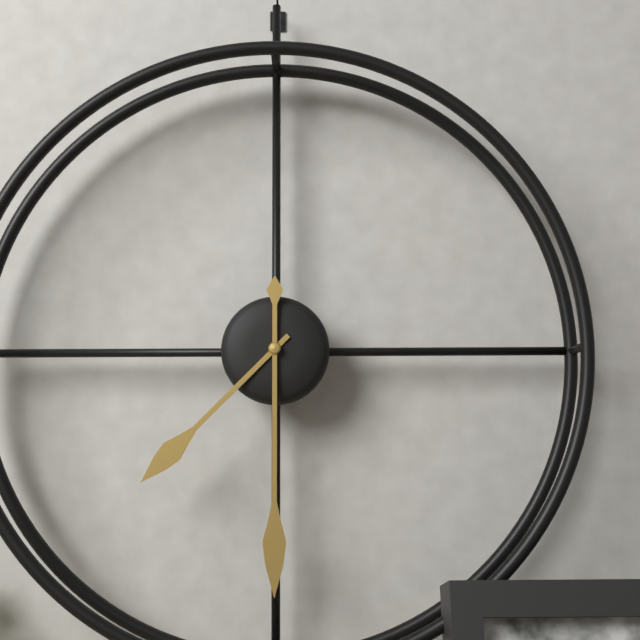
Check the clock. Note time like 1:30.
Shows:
7:30
